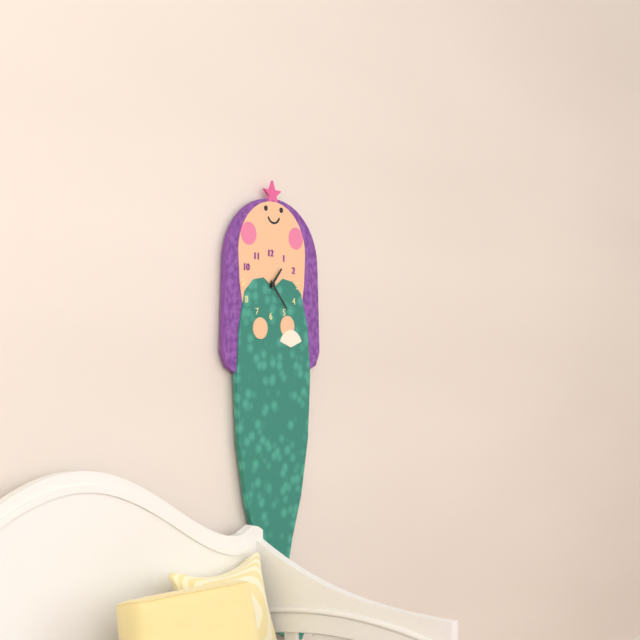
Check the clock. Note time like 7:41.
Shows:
1:23
